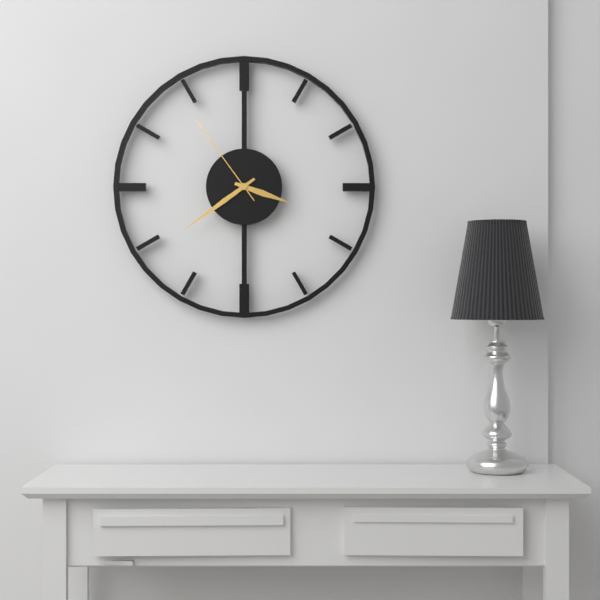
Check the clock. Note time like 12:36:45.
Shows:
3:39:54
